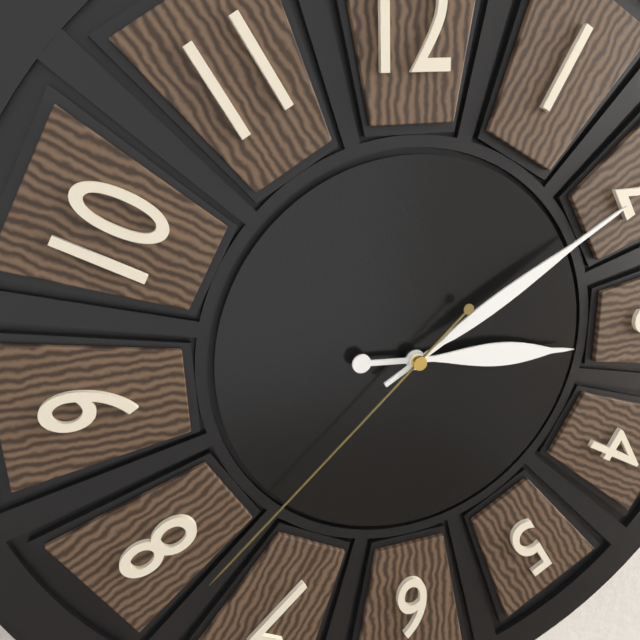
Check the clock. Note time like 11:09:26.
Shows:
3:10:38
